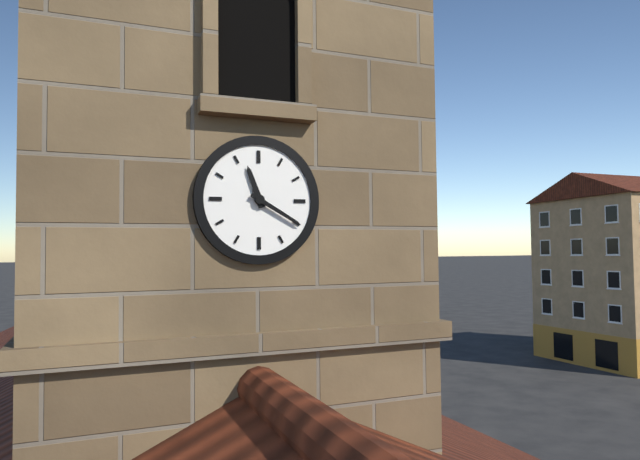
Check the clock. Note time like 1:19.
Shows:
11:20
